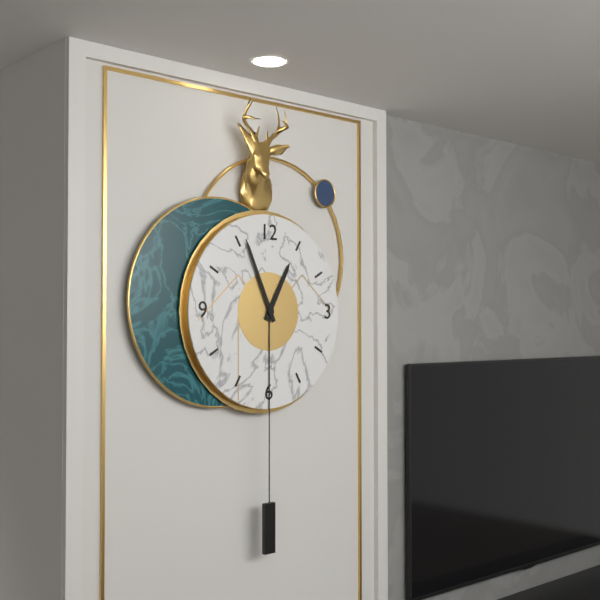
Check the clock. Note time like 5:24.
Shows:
12:56
